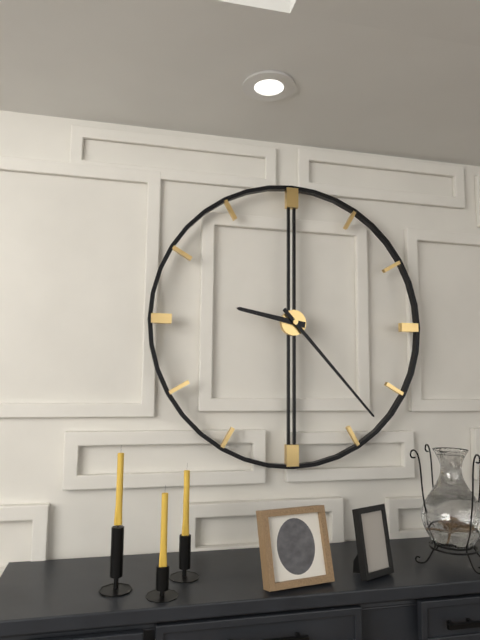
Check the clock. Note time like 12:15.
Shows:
9:23
